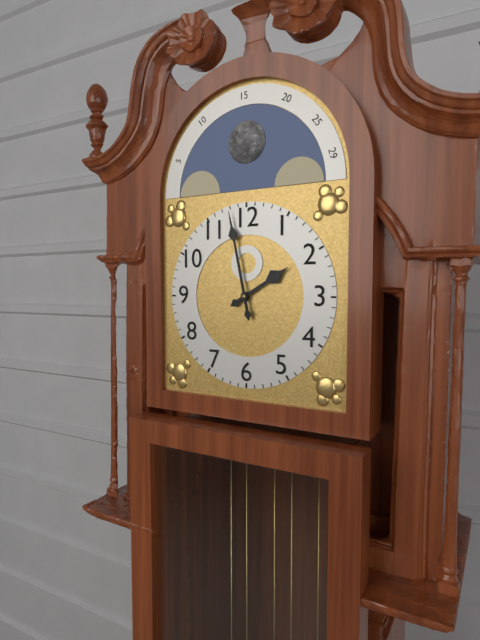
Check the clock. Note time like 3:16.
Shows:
1:58
